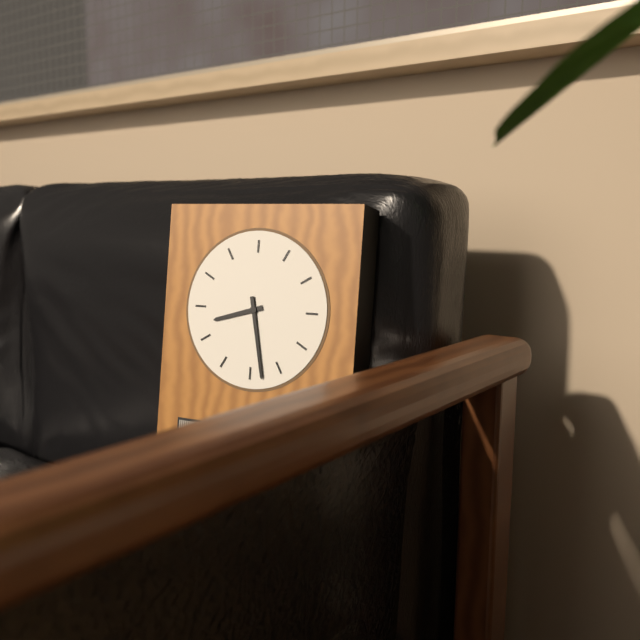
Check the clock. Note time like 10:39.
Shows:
8:28
